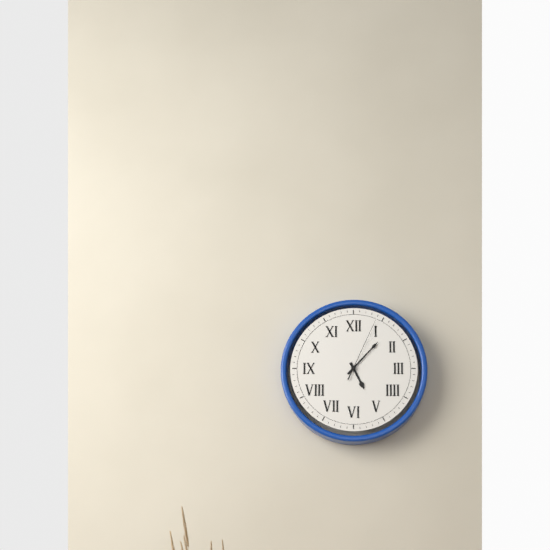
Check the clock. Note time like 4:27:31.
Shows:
5:07:04
